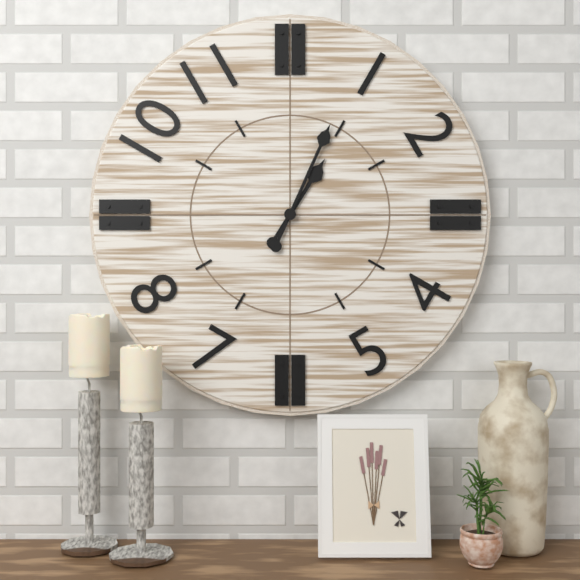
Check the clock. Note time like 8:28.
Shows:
1:04
